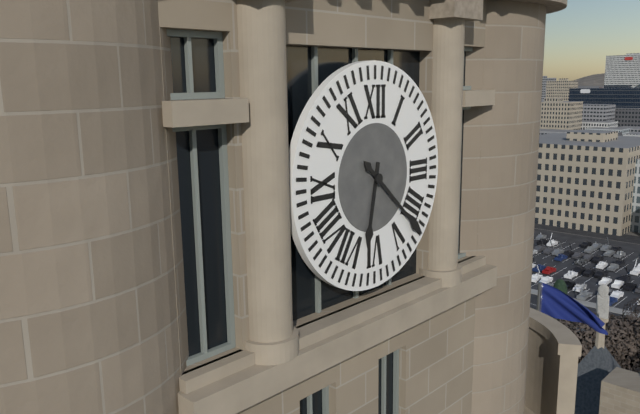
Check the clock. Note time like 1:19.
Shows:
6:22
